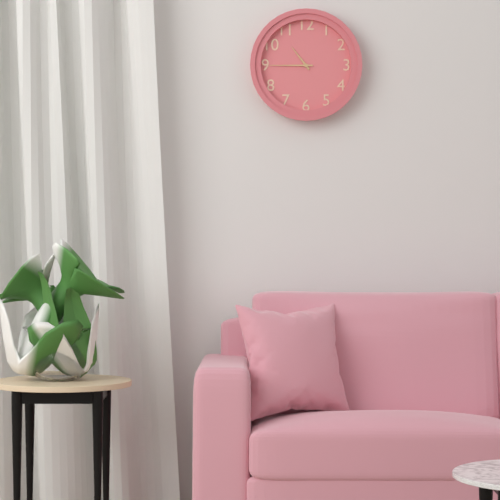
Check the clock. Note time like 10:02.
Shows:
10:45
